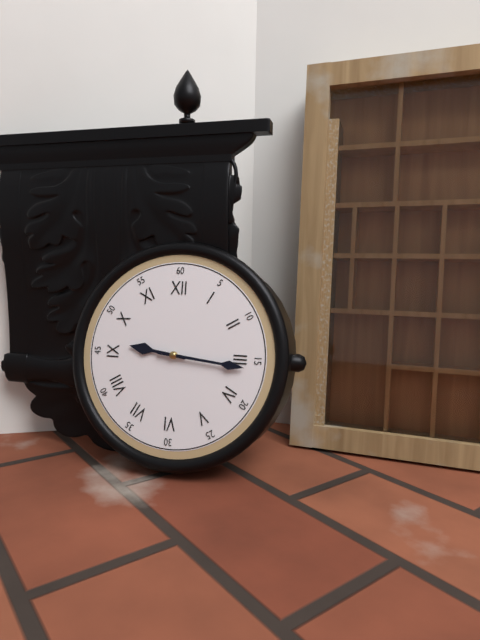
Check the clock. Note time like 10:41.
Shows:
9:16
